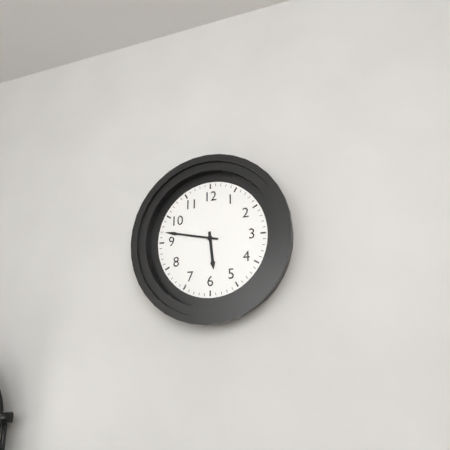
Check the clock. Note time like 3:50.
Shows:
5:47
